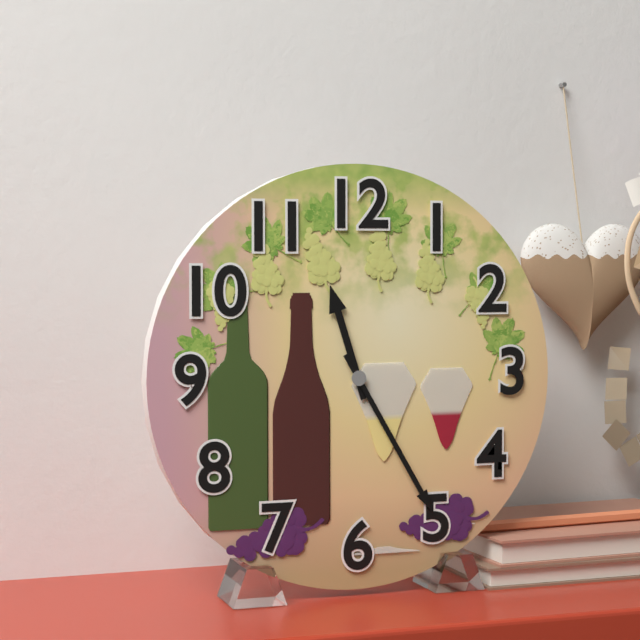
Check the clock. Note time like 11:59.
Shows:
11:25
